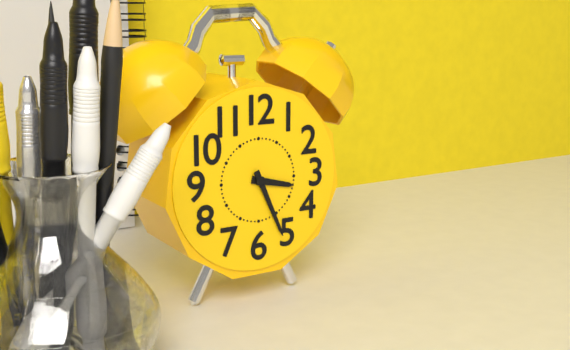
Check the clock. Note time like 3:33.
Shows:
3:26
